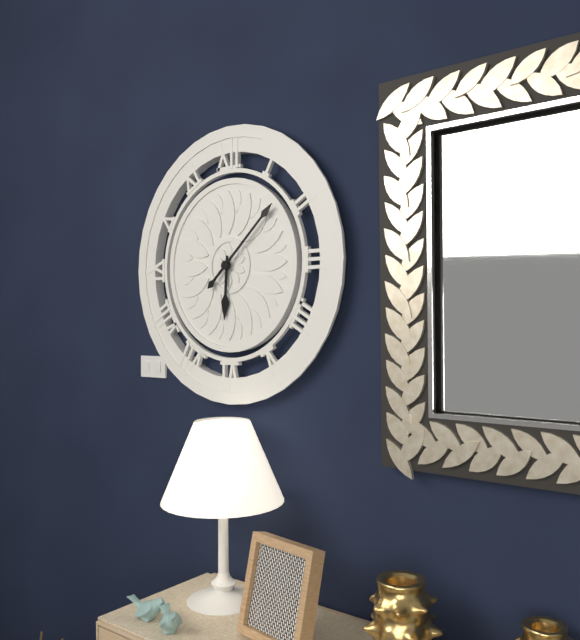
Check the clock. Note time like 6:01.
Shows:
6:08
